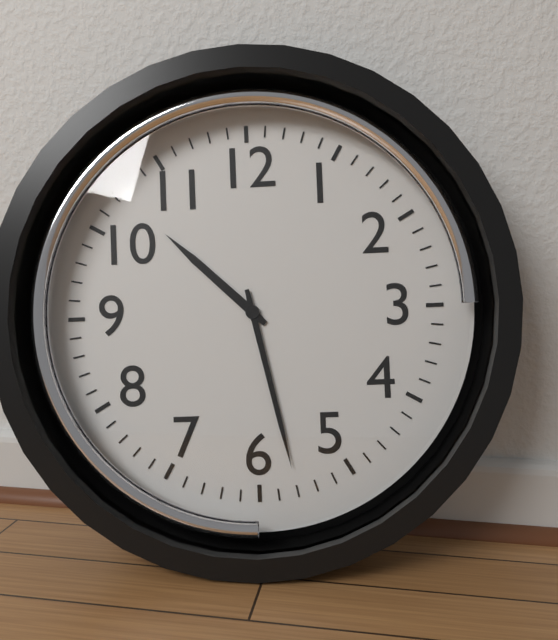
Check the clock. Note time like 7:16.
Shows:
10:28
